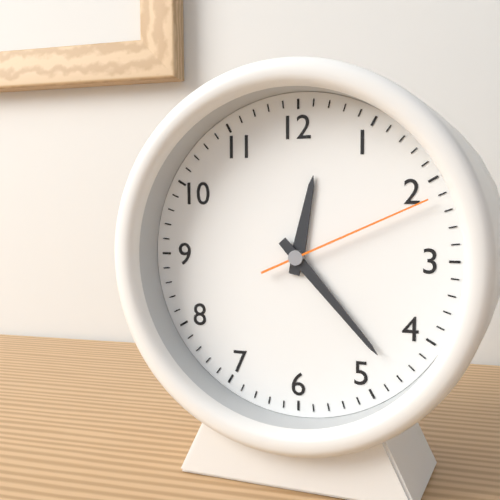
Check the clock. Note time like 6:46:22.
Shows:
12:23:11
